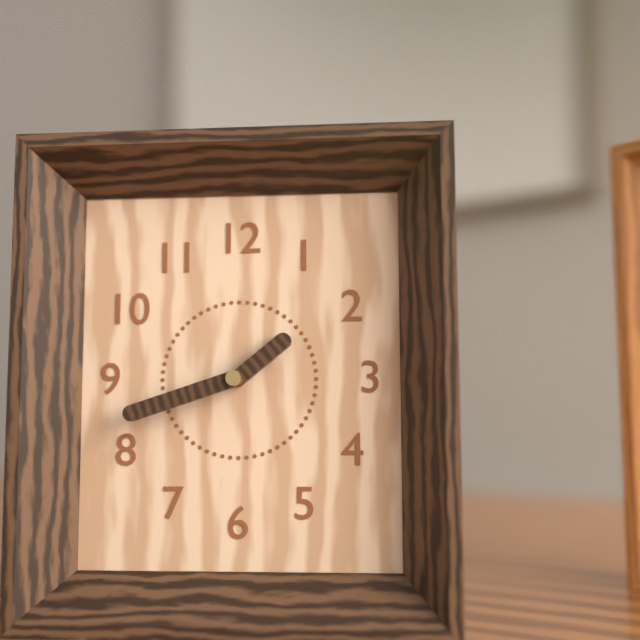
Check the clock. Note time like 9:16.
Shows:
1:42
